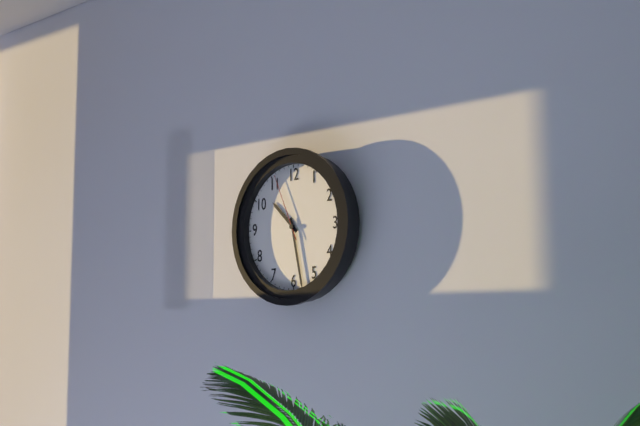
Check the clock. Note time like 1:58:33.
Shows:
10:28:56
